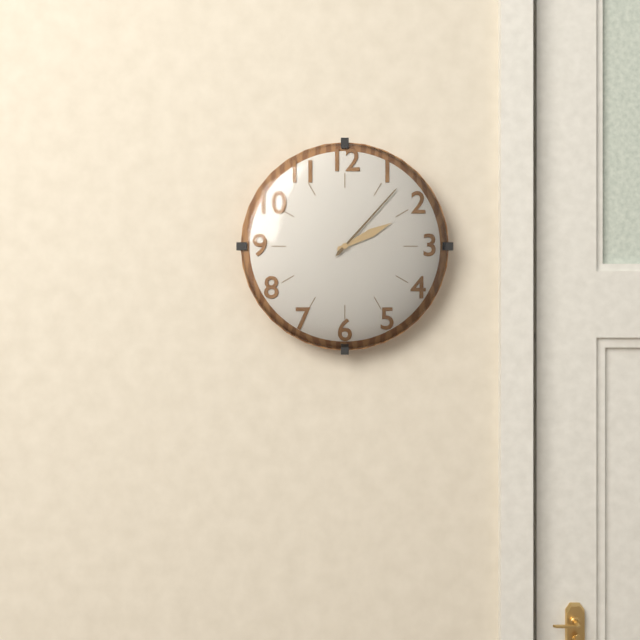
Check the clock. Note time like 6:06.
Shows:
2:07
